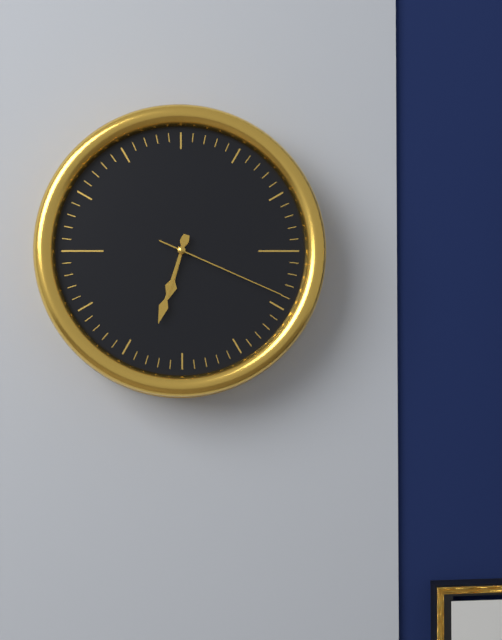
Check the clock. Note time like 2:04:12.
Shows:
6:33:19
